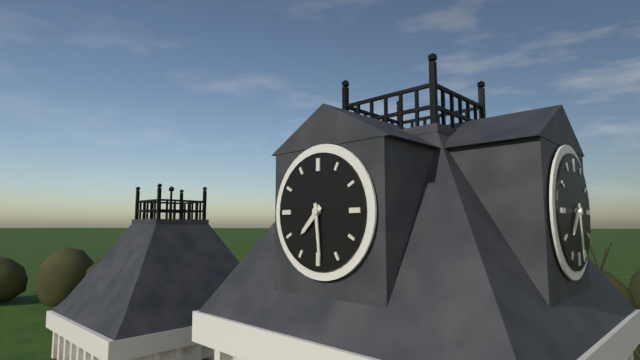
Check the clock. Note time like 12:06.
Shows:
7:29
